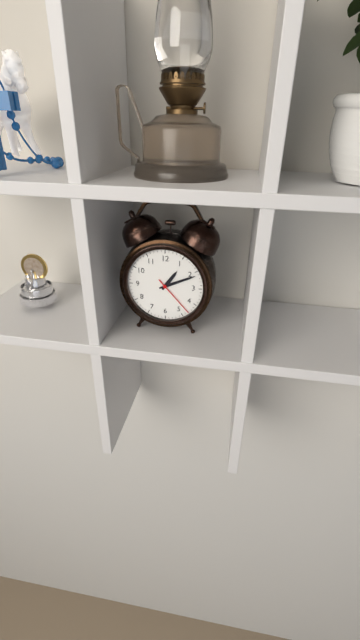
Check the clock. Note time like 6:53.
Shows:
1:11
